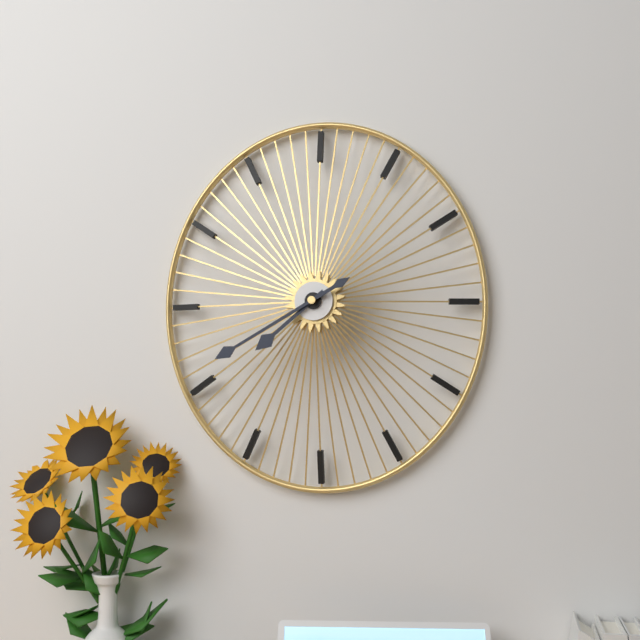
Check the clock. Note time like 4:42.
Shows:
7:40
